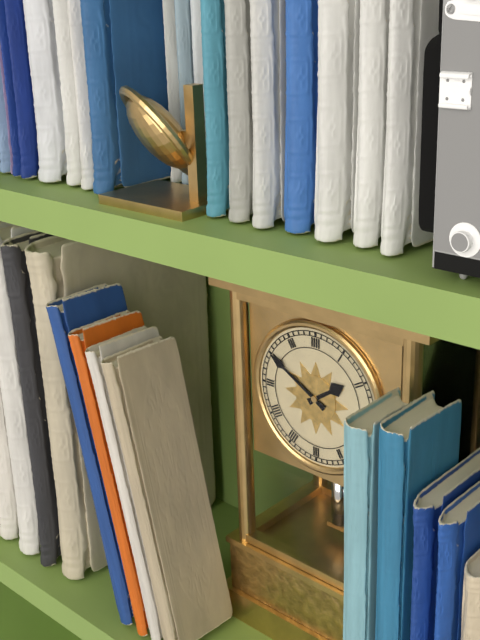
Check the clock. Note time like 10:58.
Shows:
1:50
